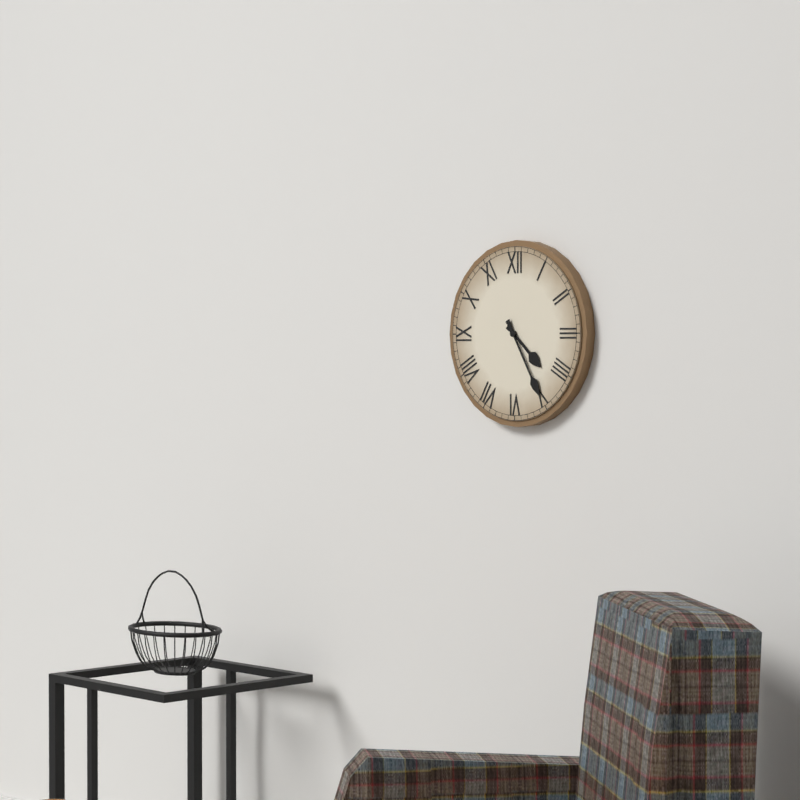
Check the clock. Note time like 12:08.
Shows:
4:25
